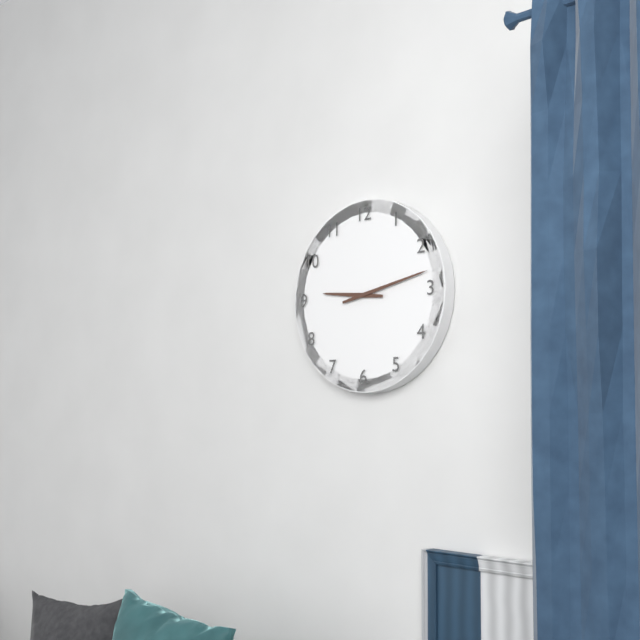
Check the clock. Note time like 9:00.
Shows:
9:13
